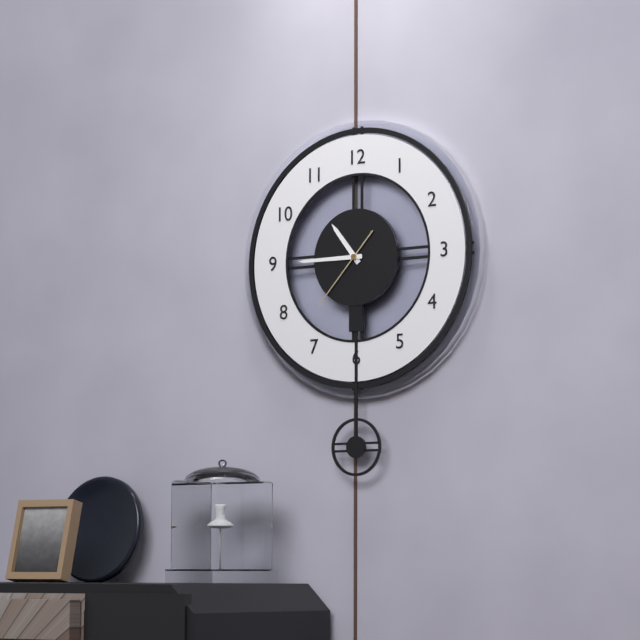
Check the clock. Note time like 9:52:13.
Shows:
10:45:37
